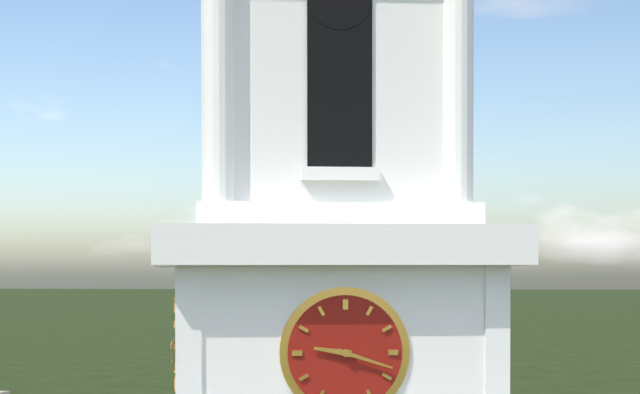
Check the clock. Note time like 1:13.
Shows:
9:18
